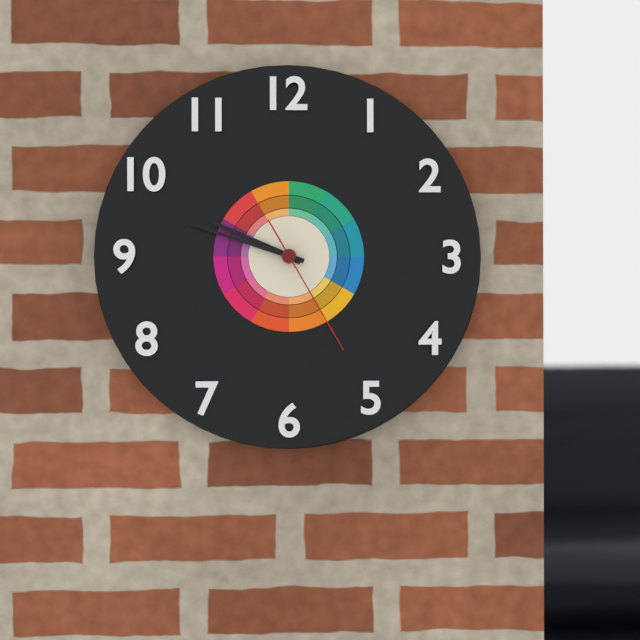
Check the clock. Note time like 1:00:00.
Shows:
9:48:25
